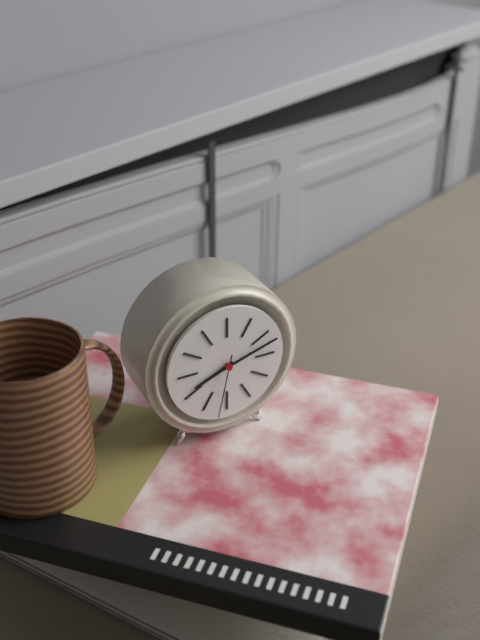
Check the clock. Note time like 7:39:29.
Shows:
8:12:32
